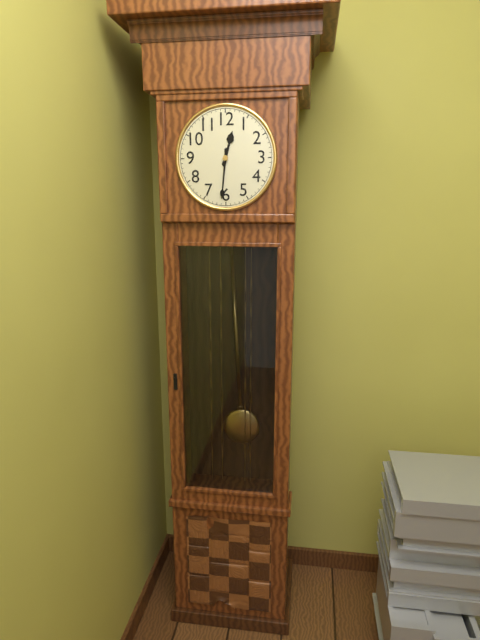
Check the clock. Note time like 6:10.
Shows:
12:31
